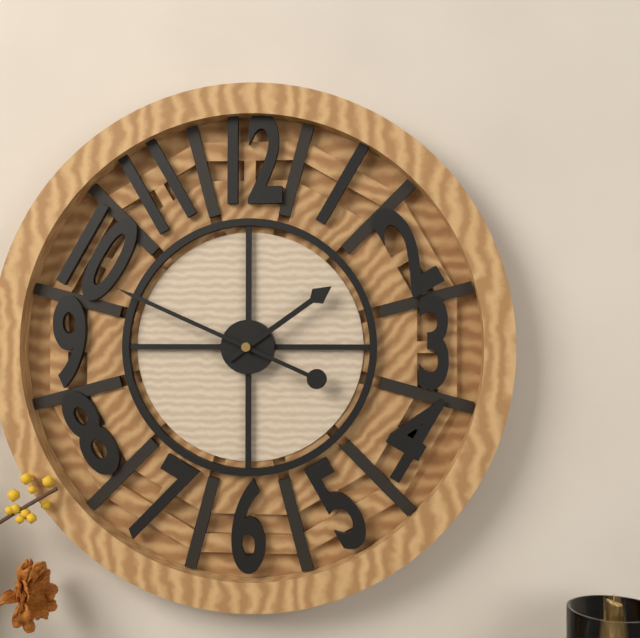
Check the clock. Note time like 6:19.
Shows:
1:49
